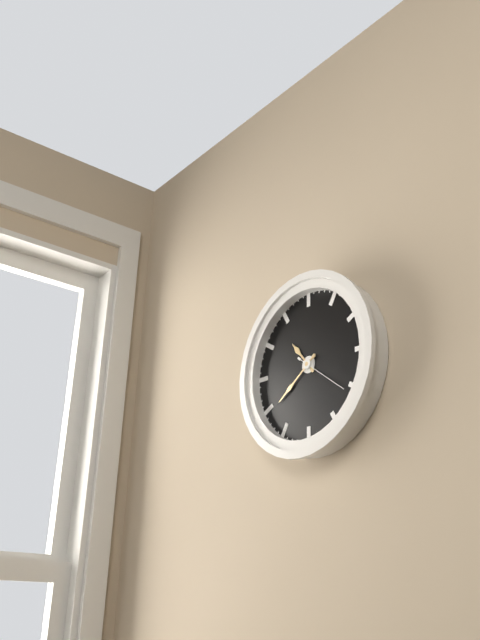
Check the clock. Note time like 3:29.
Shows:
10:39
